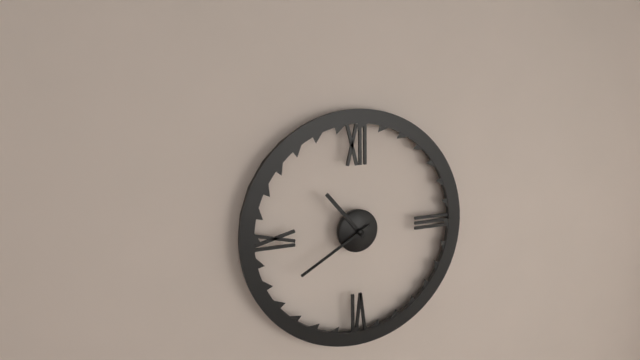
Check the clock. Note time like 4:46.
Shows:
10:40
